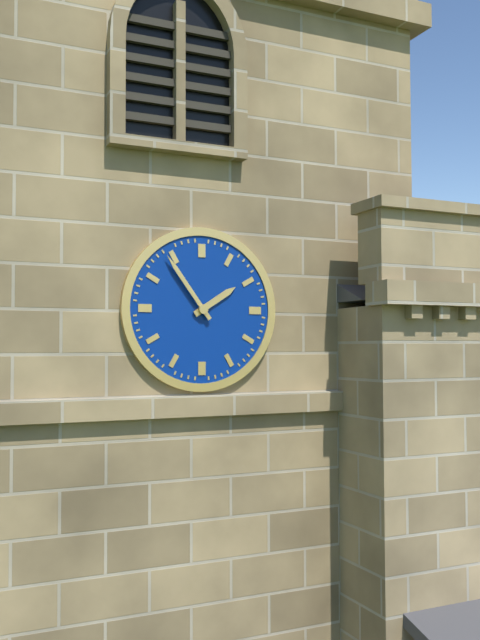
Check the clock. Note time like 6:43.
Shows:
1:54
